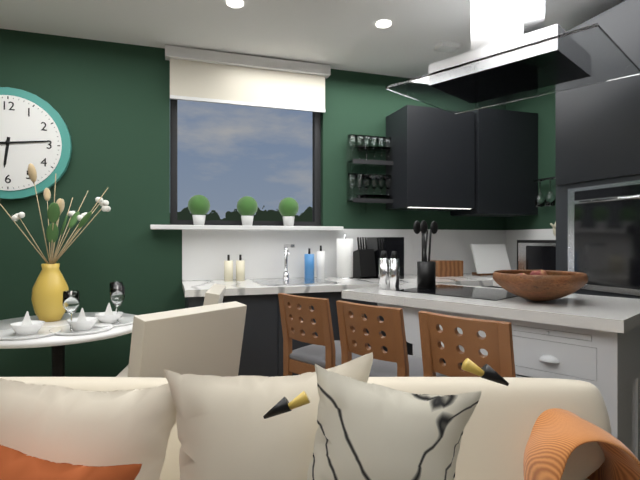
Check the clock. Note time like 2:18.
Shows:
6:14
